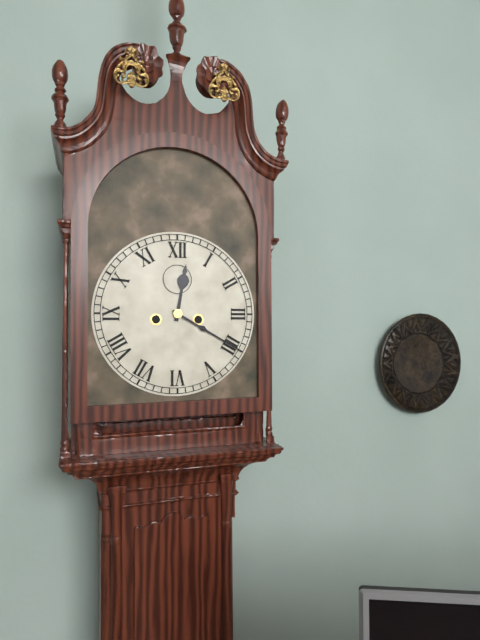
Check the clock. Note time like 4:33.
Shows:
12:20
